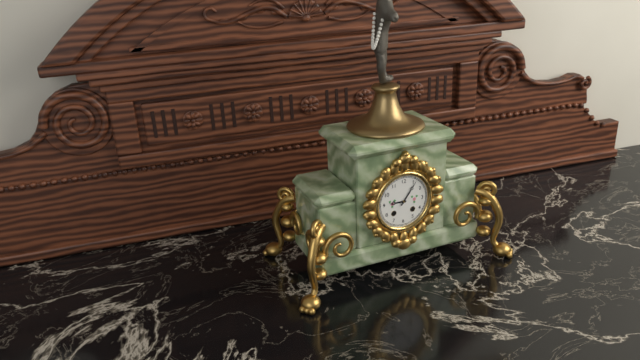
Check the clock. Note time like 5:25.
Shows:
9:06
